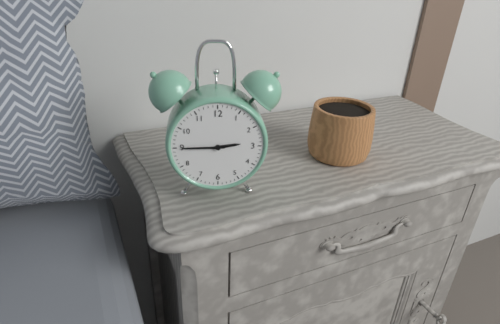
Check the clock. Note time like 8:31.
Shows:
2:45
